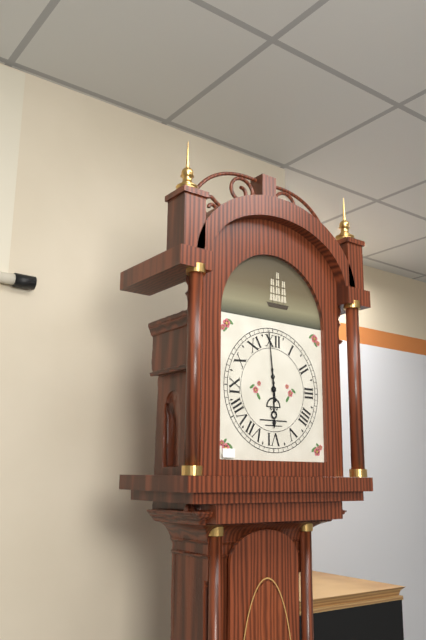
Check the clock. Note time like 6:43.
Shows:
5:59
